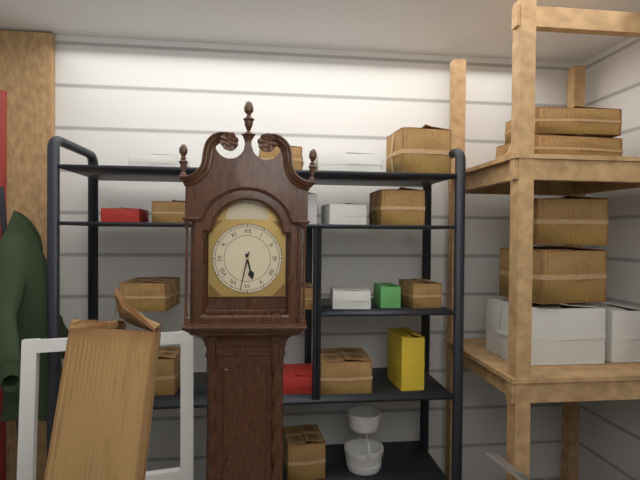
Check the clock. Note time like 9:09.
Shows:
5:32
